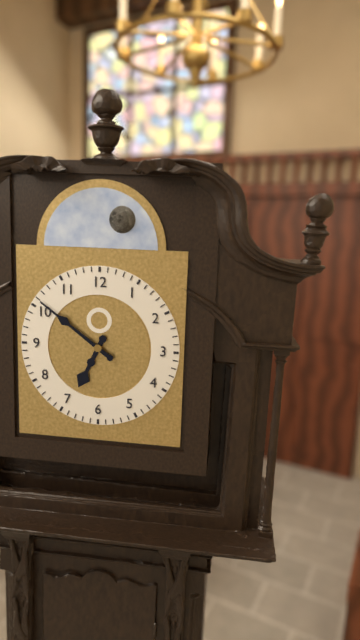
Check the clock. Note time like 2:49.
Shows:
6:51
